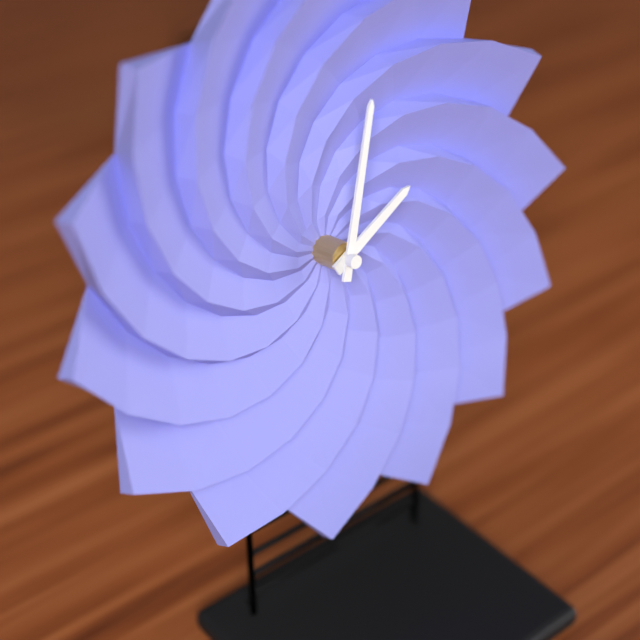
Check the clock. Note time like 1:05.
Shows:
2:03
